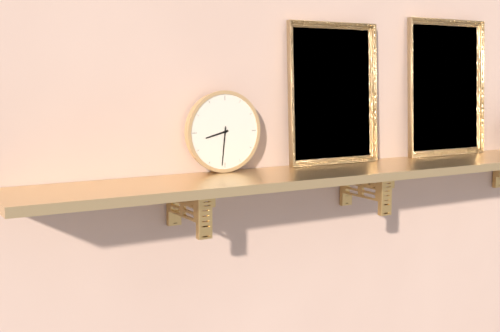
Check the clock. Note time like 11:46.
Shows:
8:31
